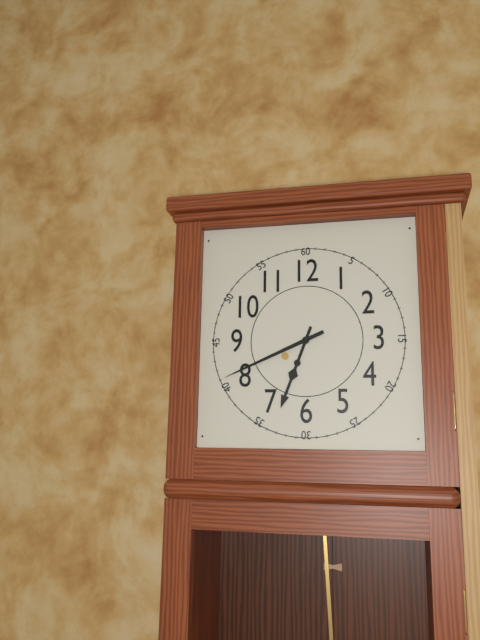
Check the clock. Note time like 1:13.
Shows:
6:41
